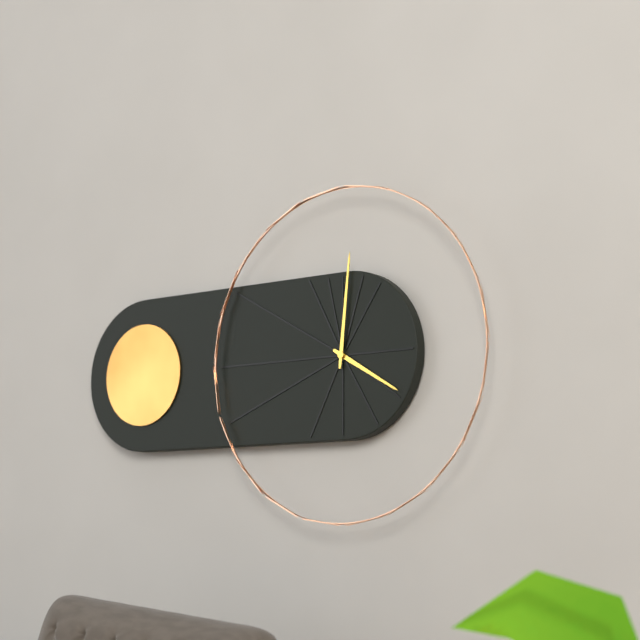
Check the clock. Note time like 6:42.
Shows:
4:01
